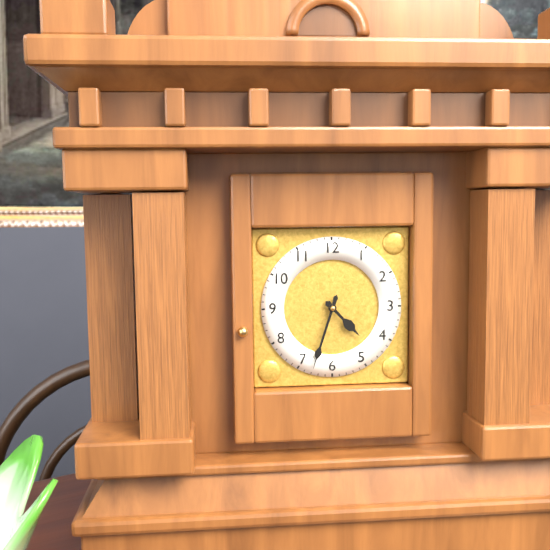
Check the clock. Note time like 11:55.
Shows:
4:33
